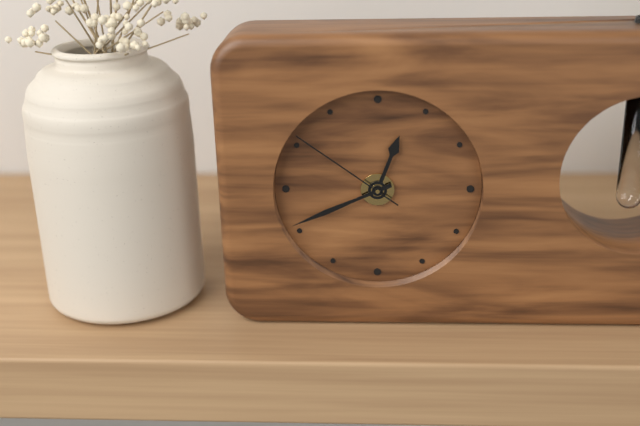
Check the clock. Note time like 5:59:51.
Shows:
12:41:51
